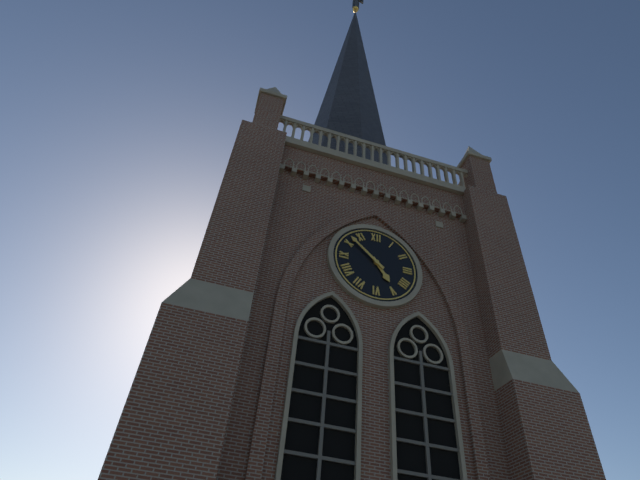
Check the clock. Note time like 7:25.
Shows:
4:52
